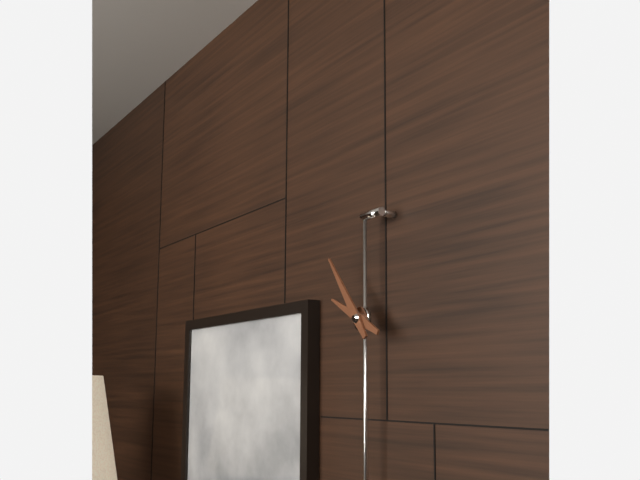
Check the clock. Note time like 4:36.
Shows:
9:54
